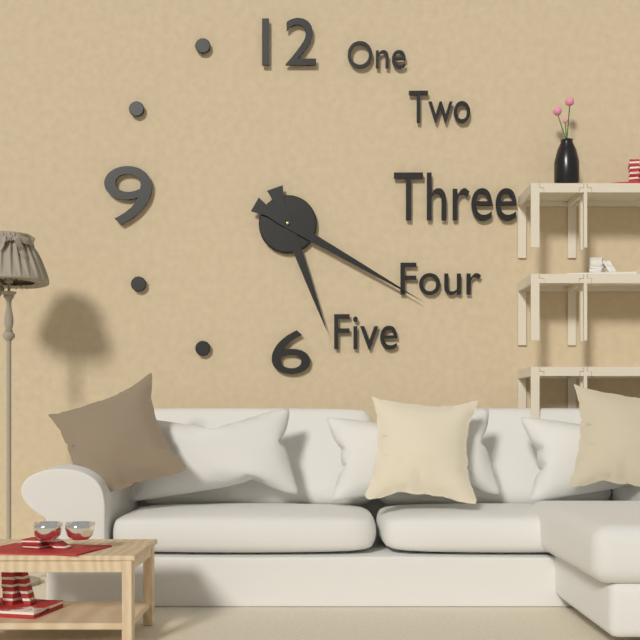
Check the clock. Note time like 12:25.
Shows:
5:20
